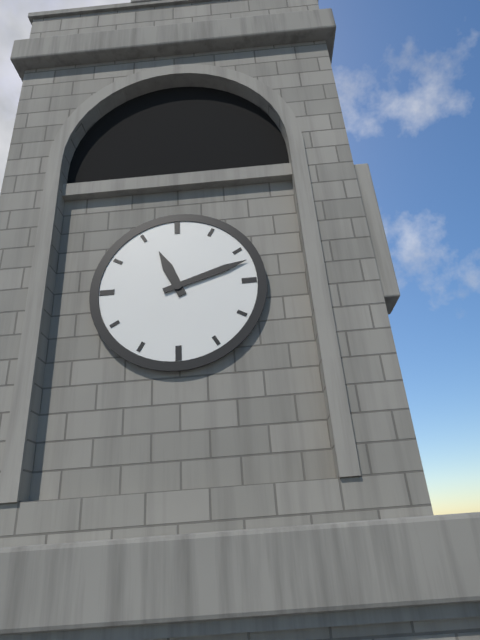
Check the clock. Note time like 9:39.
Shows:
11:12
